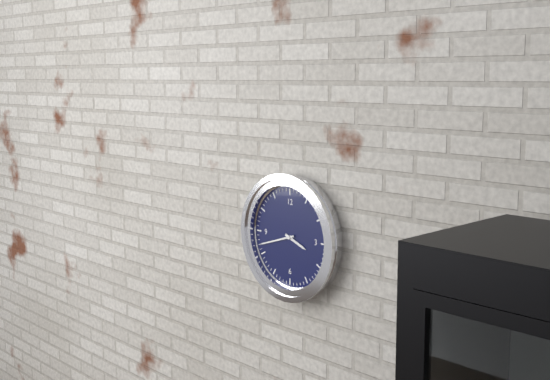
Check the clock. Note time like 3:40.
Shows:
3:42
